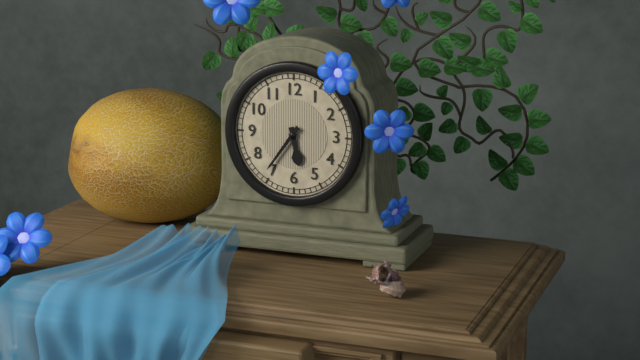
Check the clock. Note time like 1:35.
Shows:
5:36
